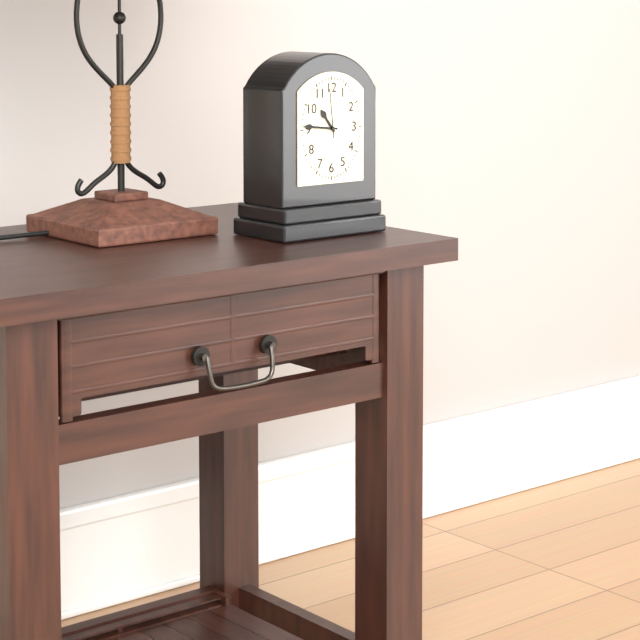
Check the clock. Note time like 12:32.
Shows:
10:46
